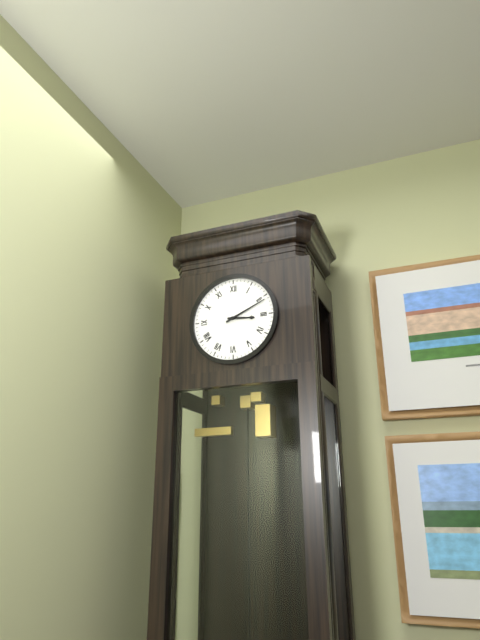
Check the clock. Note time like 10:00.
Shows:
3:11
